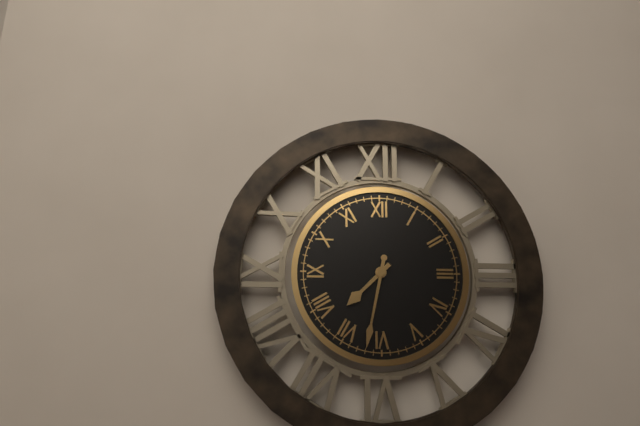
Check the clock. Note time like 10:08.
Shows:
7:32
